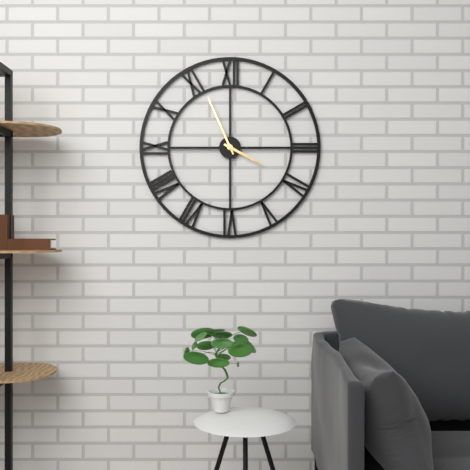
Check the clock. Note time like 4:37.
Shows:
3:56
